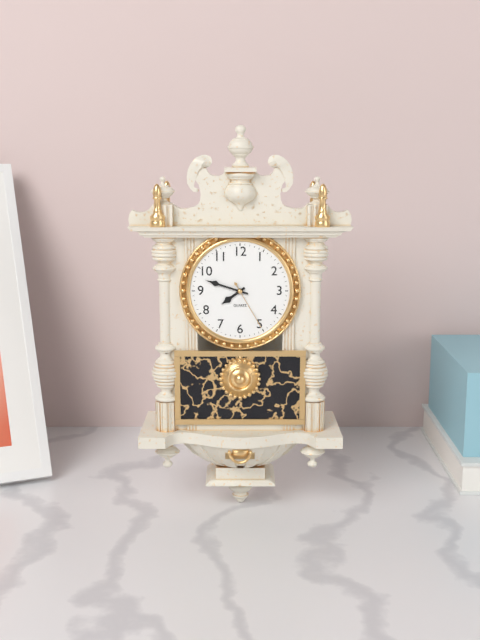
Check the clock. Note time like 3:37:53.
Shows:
7:48:25
